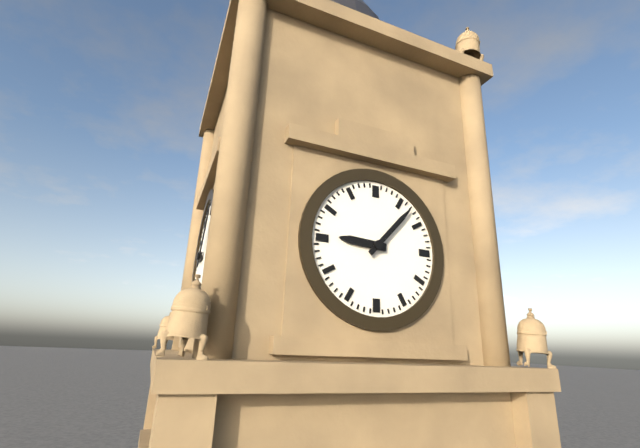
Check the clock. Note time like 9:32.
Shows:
9:07
